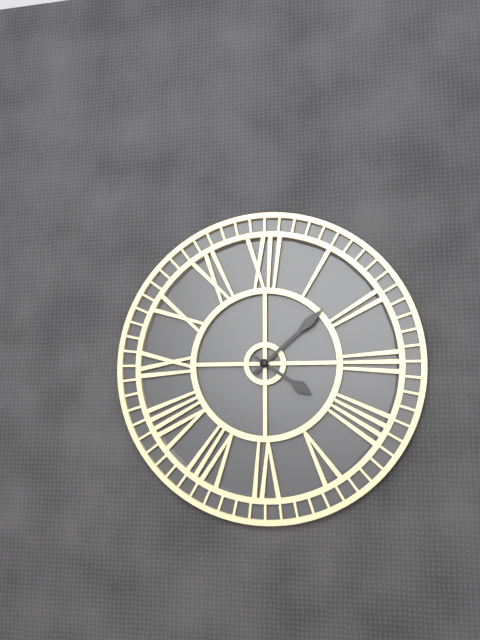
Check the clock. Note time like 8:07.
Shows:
4:08
